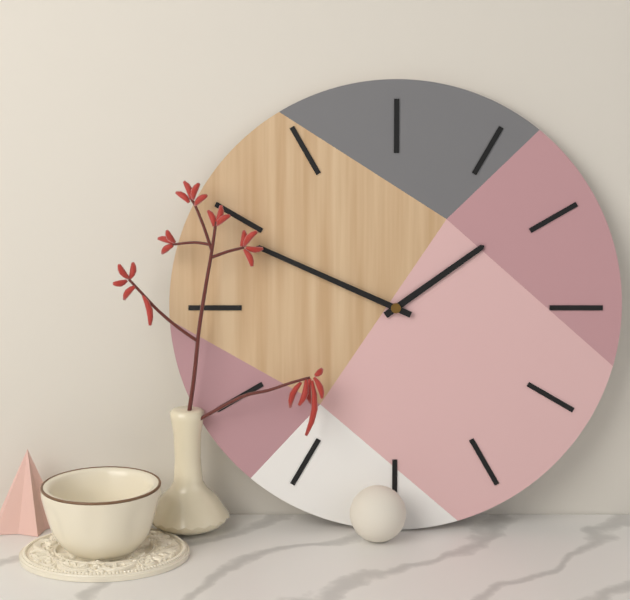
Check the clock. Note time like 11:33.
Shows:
1:49
